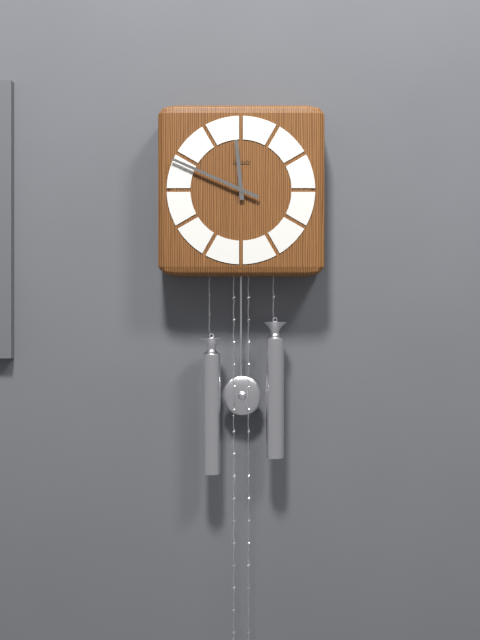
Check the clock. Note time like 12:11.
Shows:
11:49
